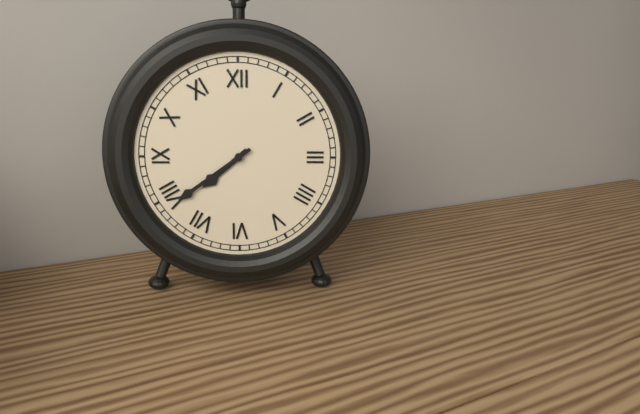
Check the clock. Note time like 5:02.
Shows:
7:39
